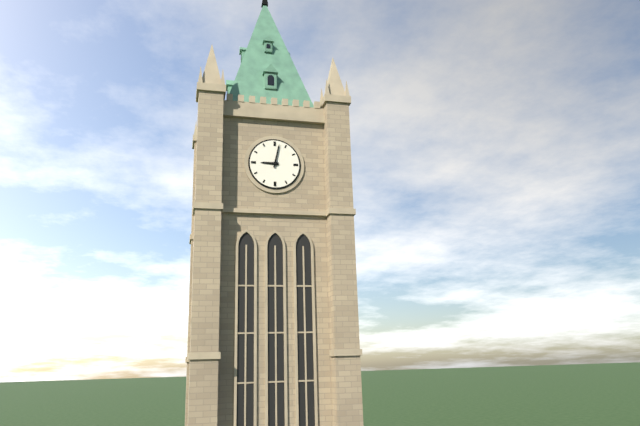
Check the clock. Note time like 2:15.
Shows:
9:02
